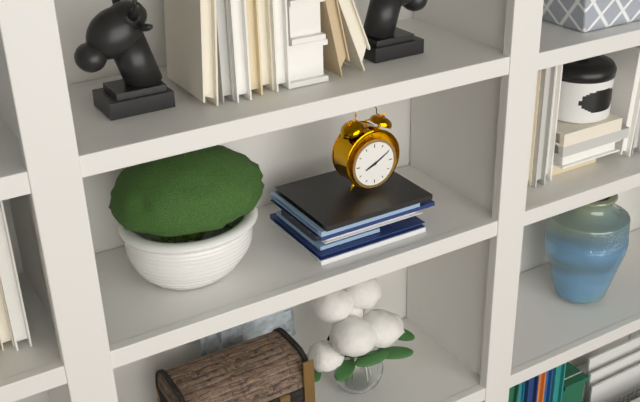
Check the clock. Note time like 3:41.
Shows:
8:10
